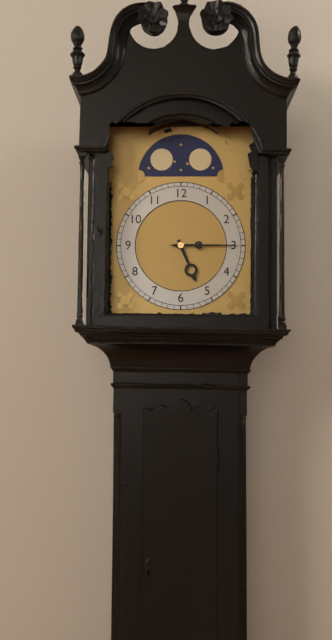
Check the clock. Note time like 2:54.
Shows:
5:15
